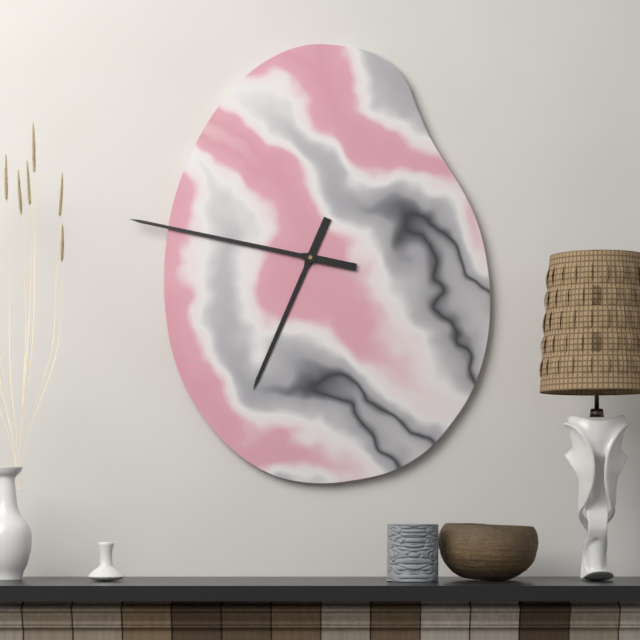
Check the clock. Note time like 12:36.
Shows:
6:47
